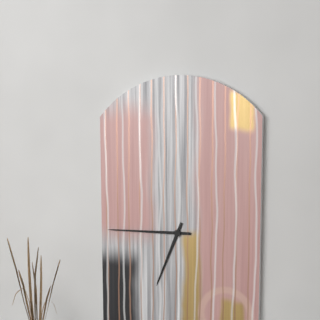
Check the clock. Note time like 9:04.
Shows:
6:45
